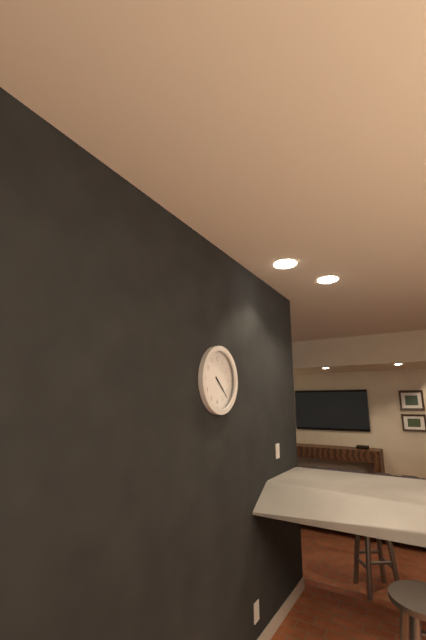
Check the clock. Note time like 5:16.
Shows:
4:22
